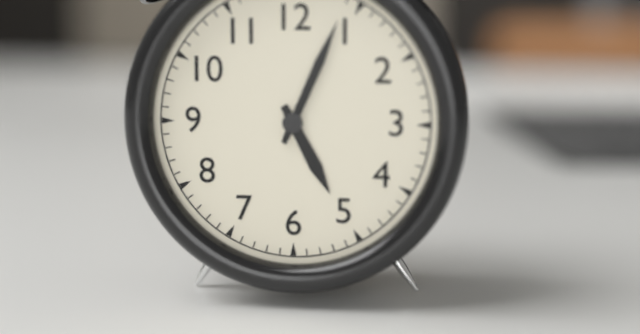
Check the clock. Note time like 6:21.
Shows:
5:04
